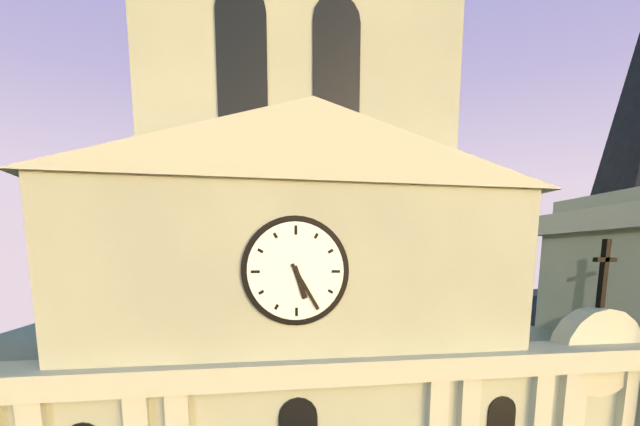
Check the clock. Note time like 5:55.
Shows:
5:25
